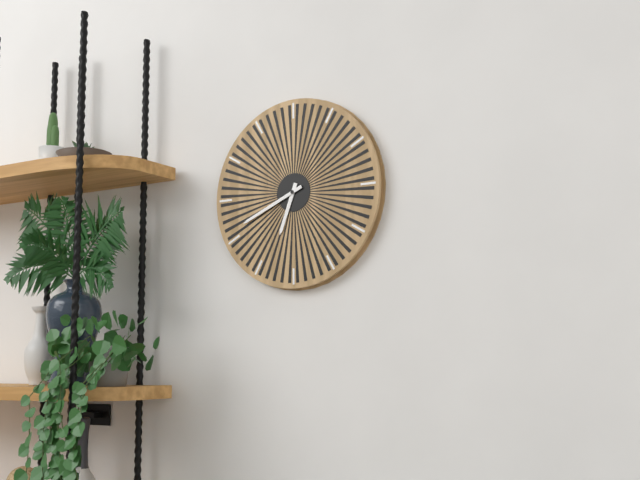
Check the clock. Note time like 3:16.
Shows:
6:41
